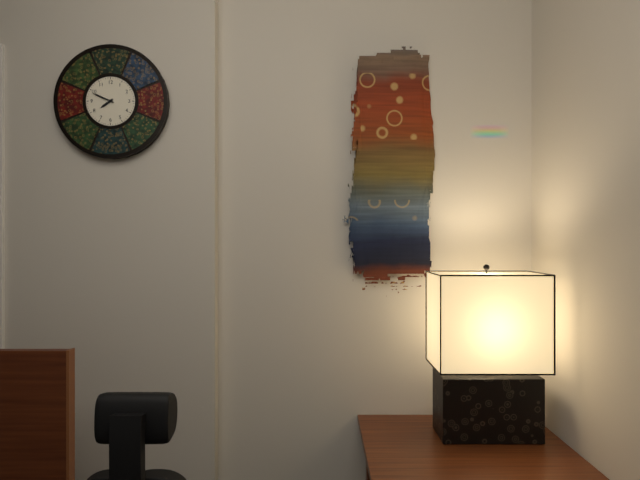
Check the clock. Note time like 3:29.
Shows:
7:49
